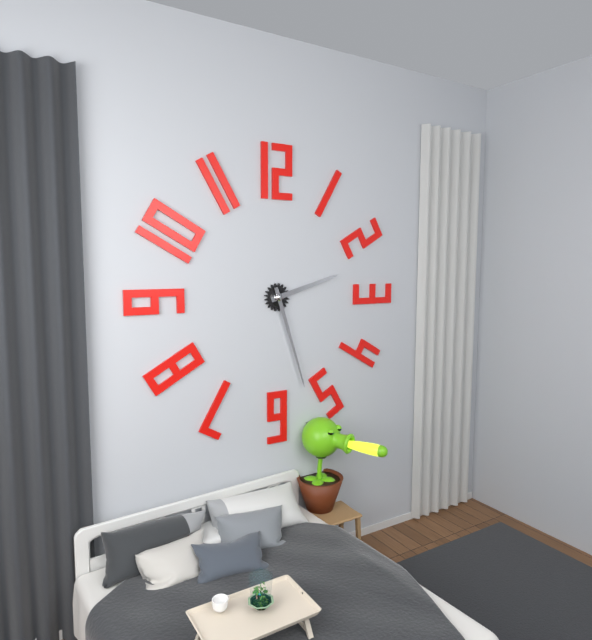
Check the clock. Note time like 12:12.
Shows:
2:27
